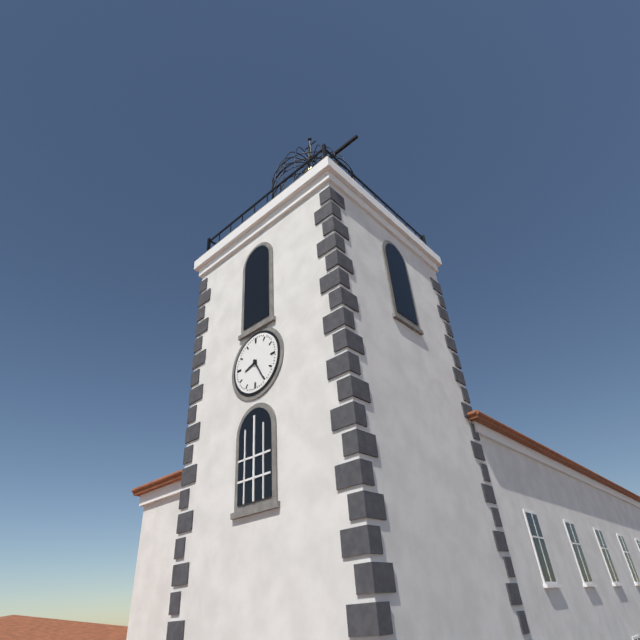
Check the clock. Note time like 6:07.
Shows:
8:25
